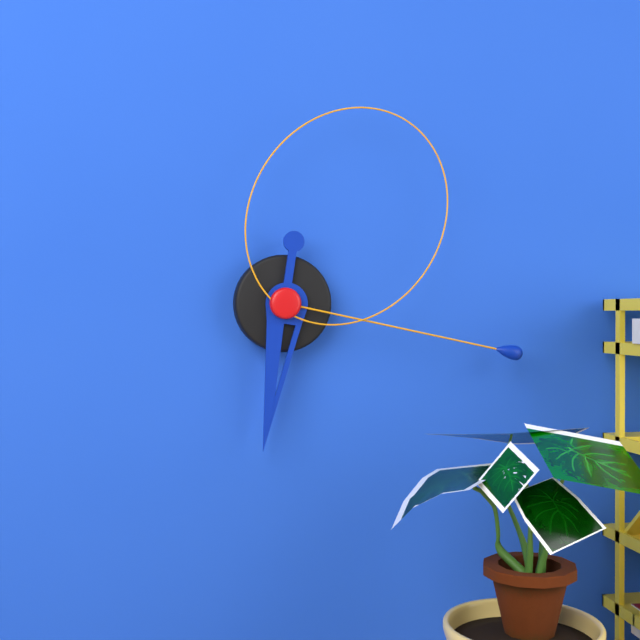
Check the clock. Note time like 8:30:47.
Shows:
6:17:06
